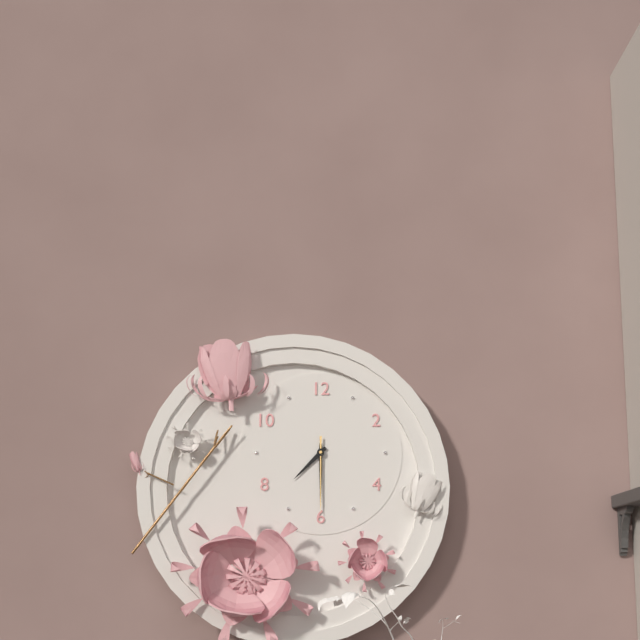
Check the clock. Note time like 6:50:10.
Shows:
7:30:30
